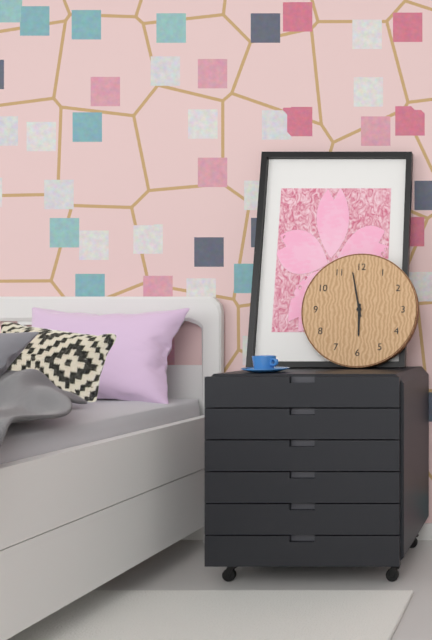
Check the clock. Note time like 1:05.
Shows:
5:58
